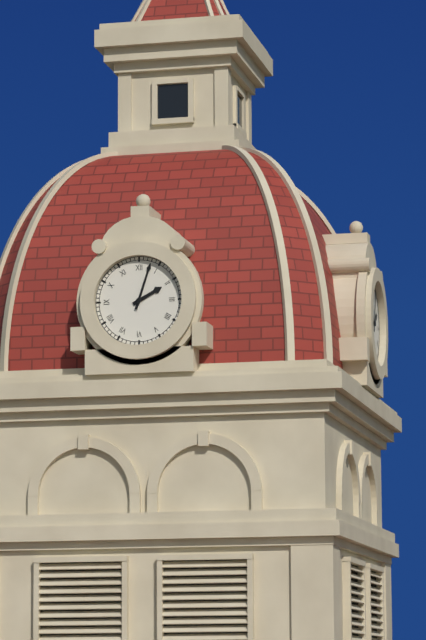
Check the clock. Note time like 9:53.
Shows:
2:03
